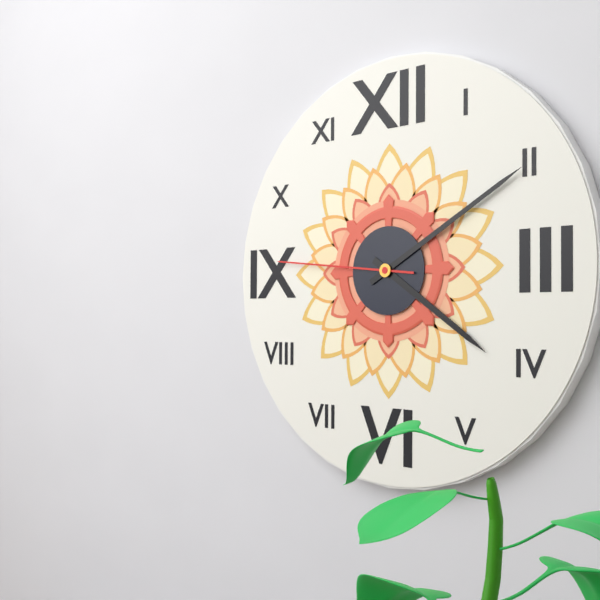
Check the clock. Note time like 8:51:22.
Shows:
4:10:46
